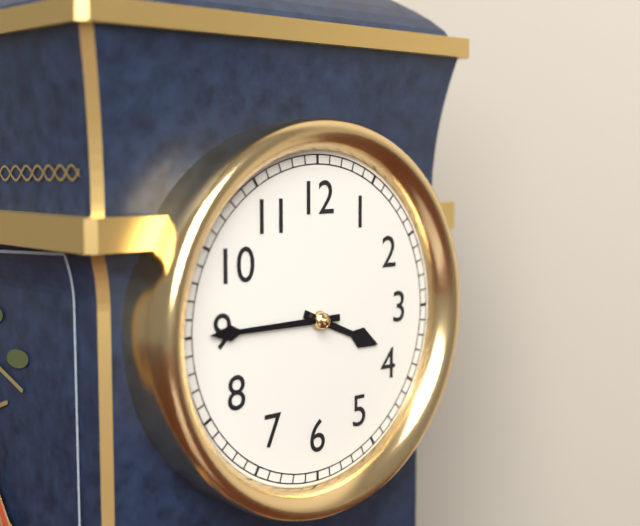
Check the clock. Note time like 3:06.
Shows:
3:45
